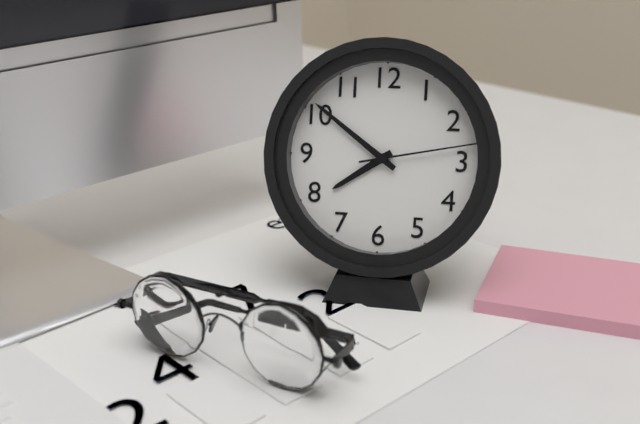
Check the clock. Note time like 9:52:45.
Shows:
7:51:13
